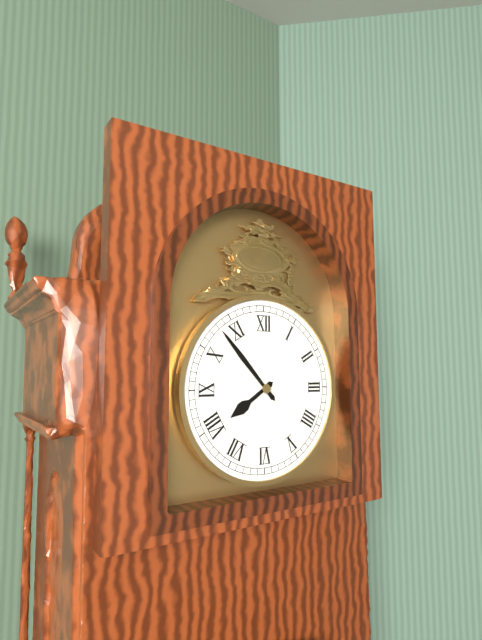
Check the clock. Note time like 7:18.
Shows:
7:53
